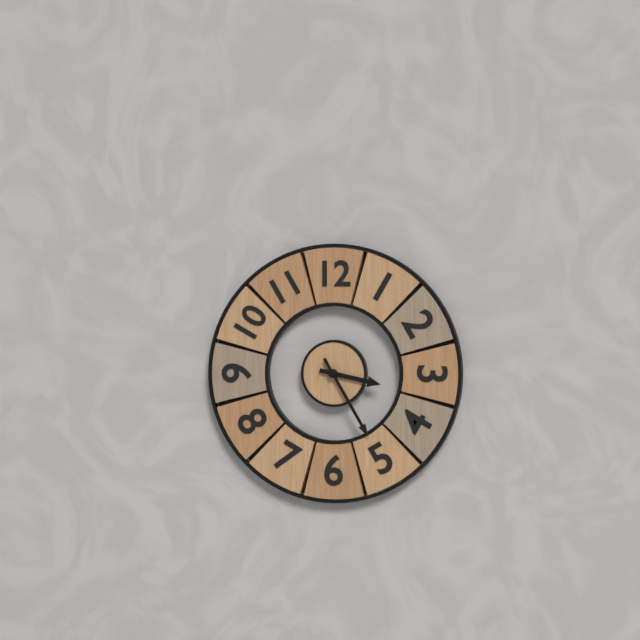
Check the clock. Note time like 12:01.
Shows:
3:25
